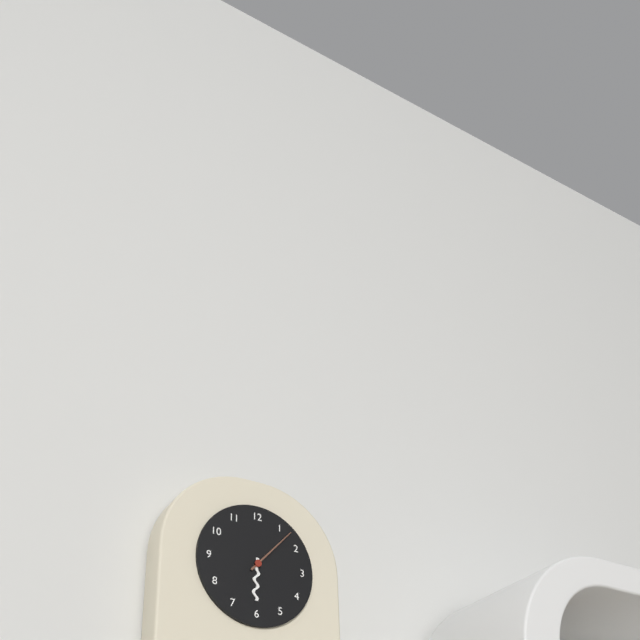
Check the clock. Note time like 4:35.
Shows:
6:07
